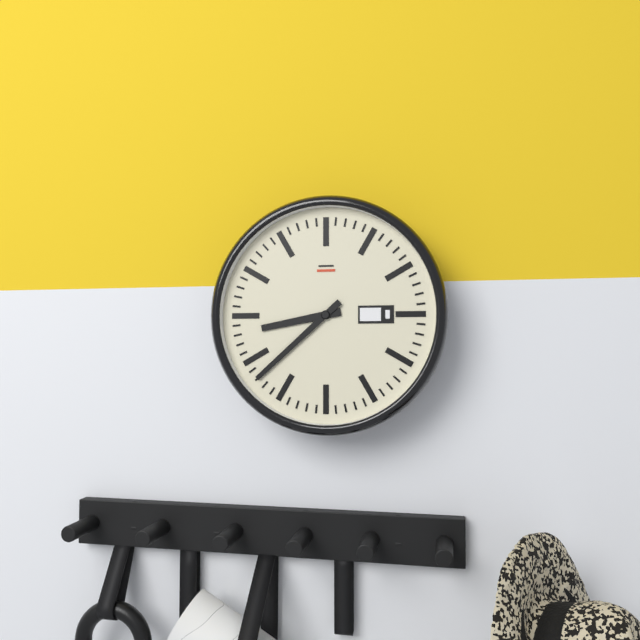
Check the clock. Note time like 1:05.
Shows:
8:38
